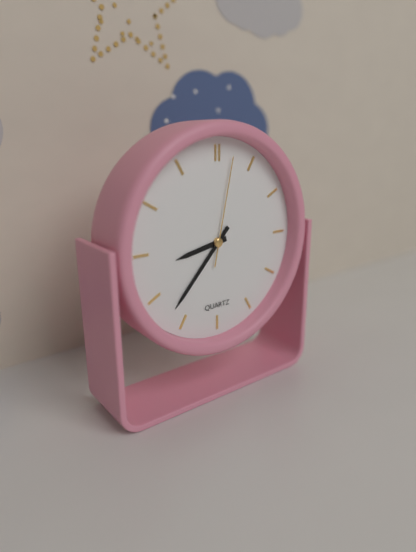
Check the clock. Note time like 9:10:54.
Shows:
8:37:02
